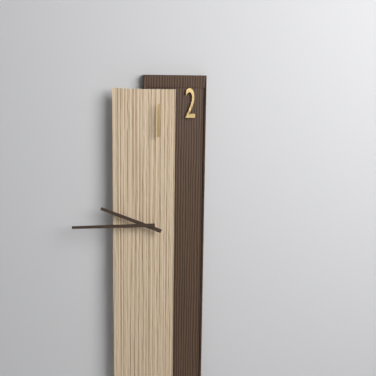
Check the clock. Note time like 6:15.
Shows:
9:45
